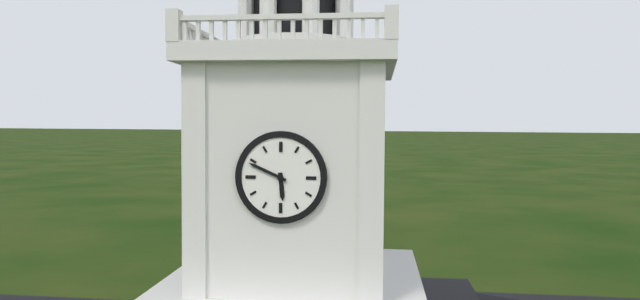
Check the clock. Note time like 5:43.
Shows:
5:49
